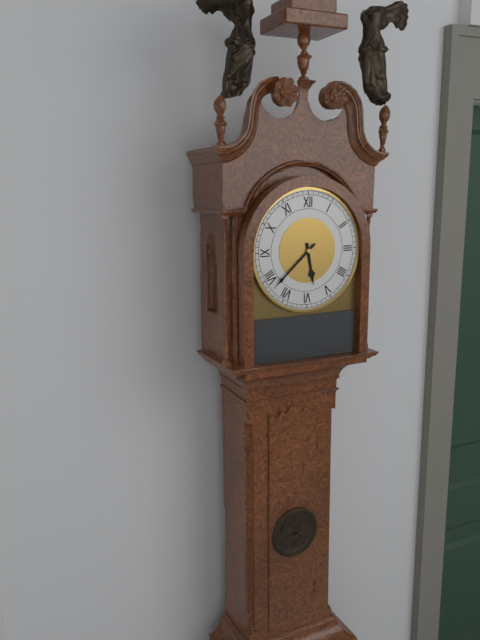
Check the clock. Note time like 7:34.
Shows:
5:38
